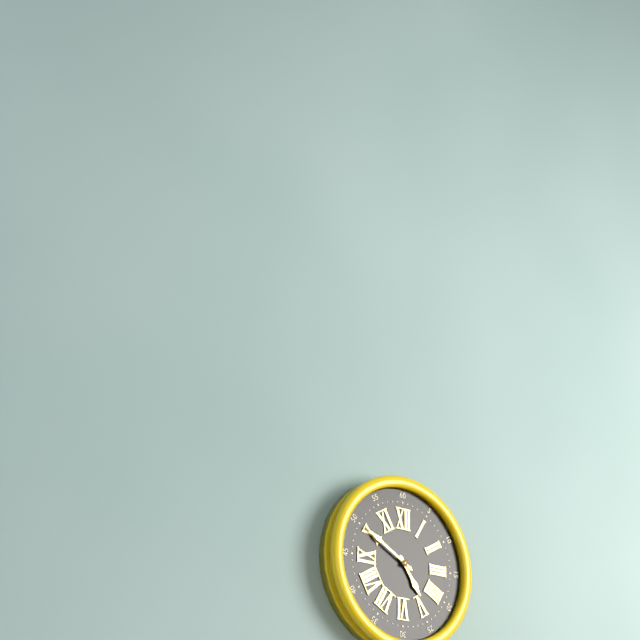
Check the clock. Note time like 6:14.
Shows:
4:50
